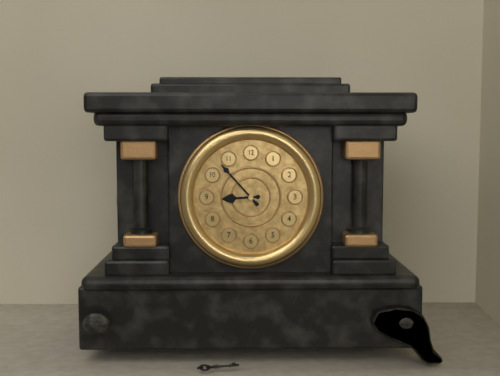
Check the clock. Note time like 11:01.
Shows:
8:53
